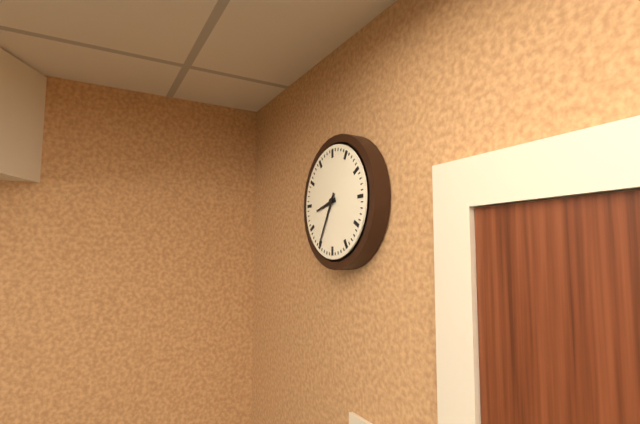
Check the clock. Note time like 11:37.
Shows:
8:35
